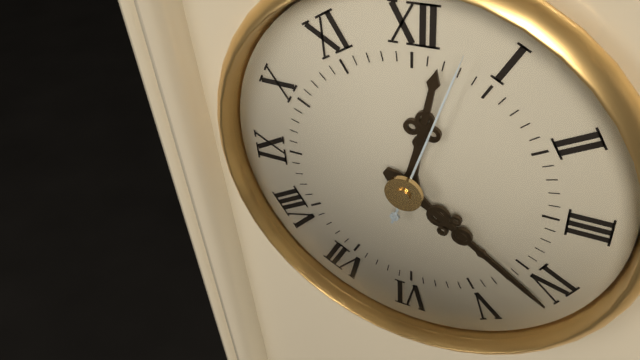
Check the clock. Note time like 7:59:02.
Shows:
12:21:03
